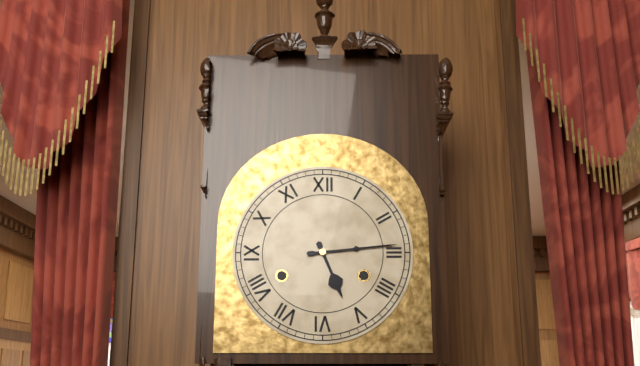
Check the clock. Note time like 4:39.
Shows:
5:14
